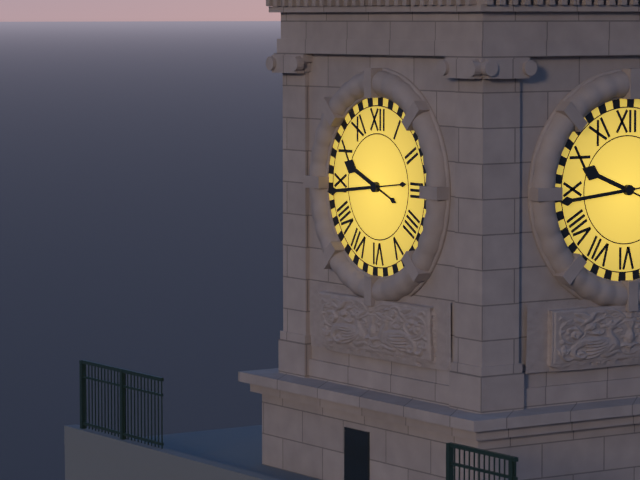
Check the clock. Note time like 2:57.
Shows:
9:44
